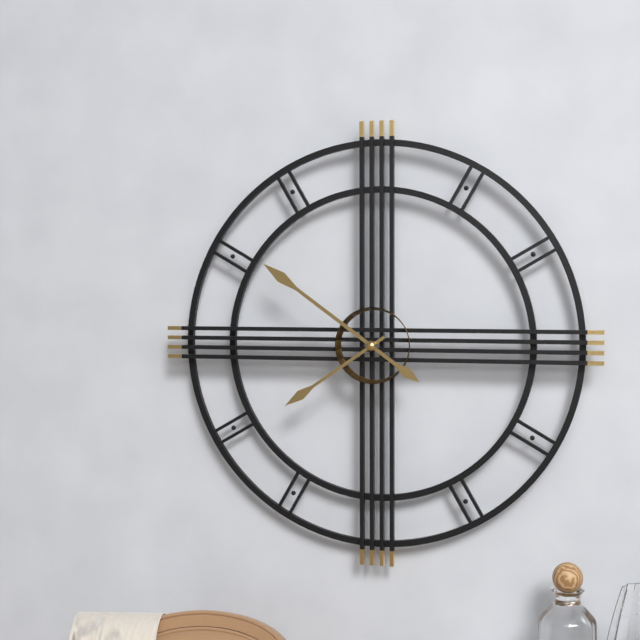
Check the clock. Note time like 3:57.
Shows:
7:51
